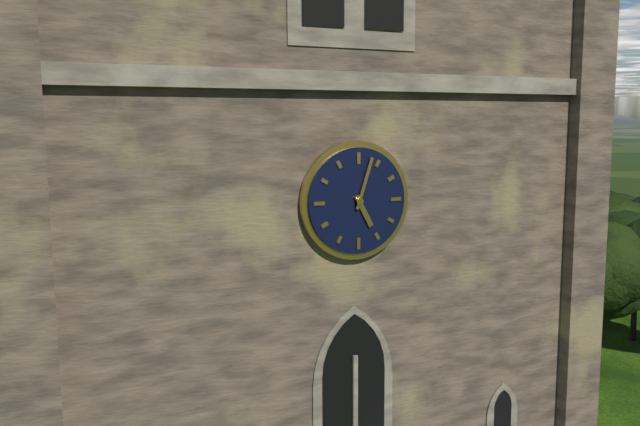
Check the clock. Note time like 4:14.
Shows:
5:03
